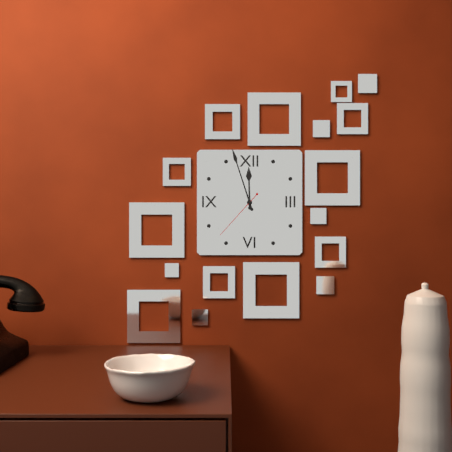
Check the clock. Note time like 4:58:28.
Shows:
11:57:37
